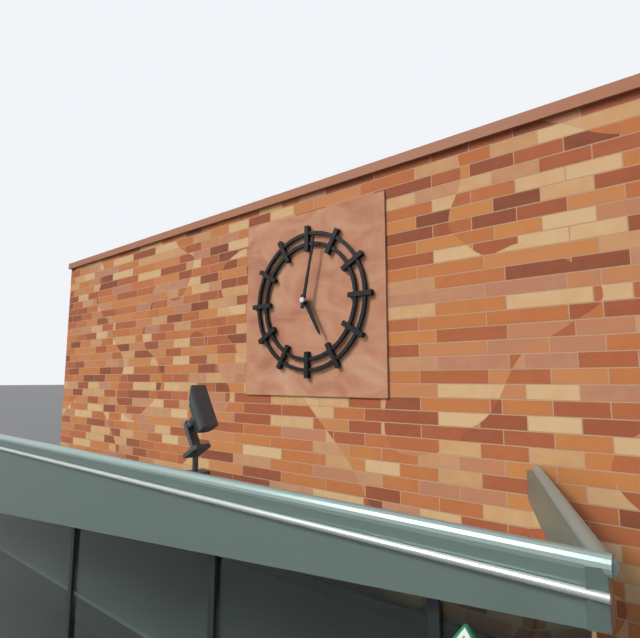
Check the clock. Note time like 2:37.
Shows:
5:02
